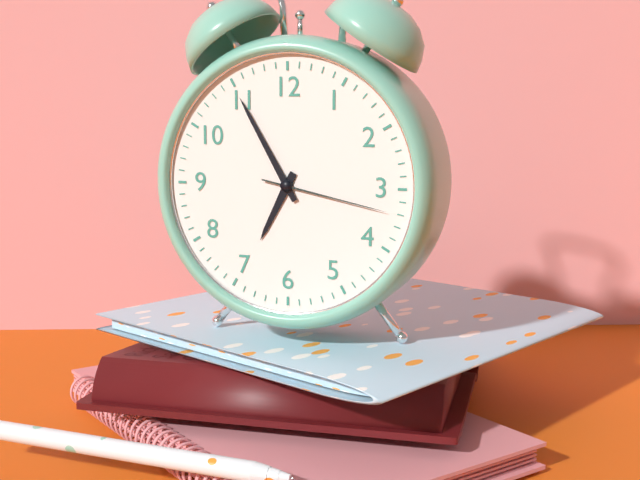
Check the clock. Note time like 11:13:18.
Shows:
6:55:17
